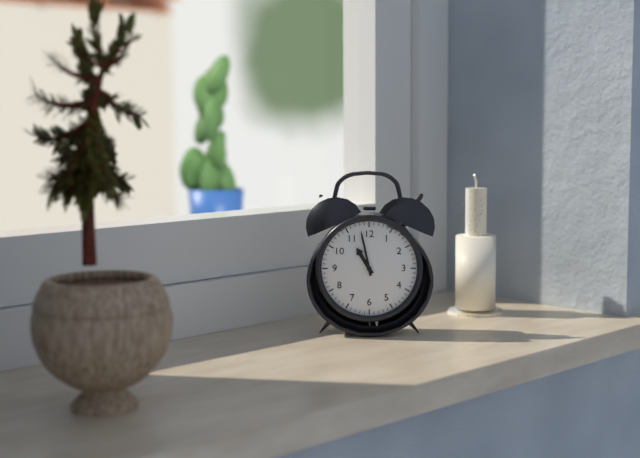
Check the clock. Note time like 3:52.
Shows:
10:58
